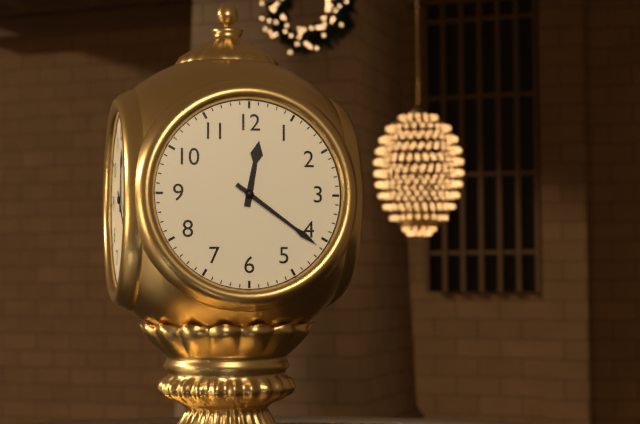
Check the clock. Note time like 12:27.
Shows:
12:21
